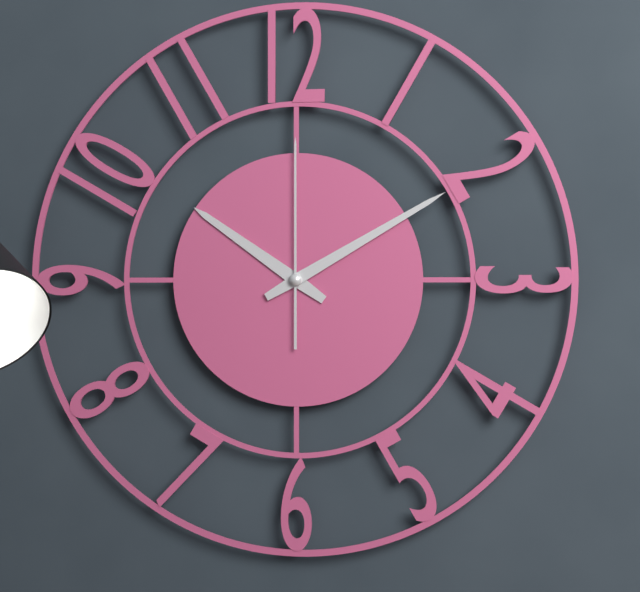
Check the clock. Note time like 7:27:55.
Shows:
10:10:00
